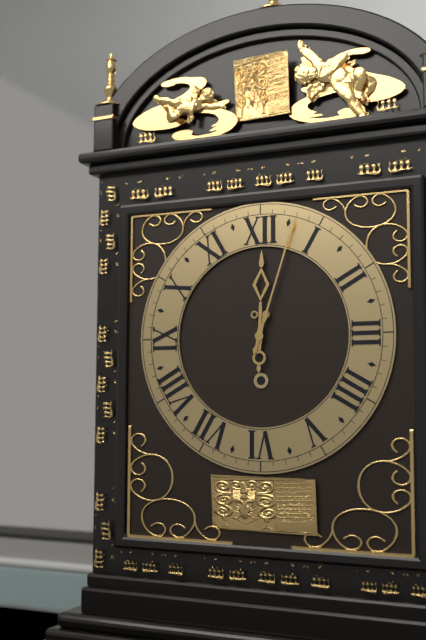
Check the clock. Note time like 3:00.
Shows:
12:03
